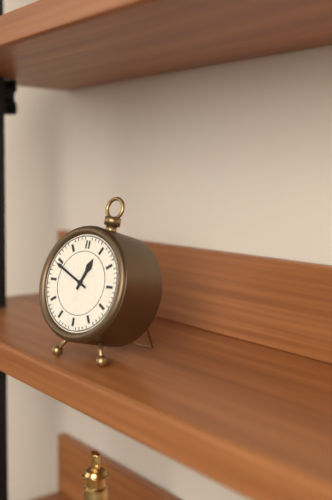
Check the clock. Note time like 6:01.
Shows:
12:49
